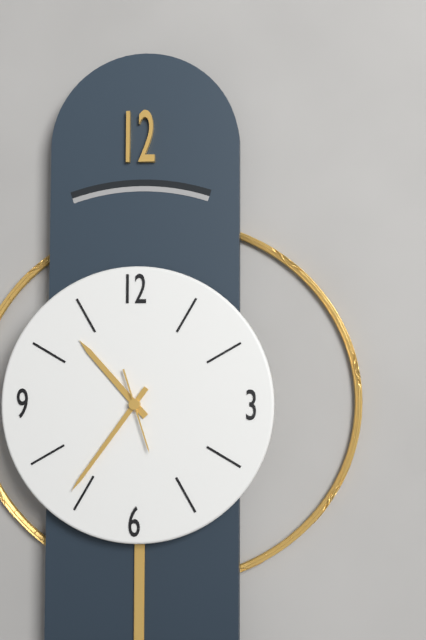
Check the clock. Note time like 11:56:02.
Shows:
10:36:27
